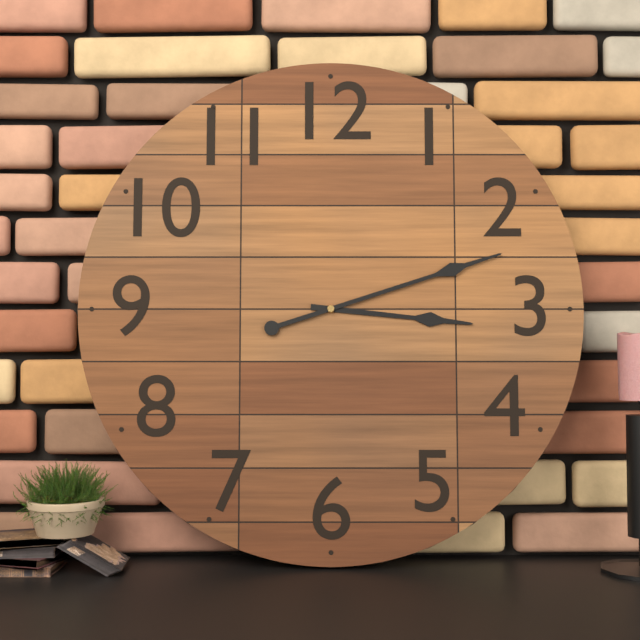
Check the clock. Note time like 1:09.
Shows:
3:12
